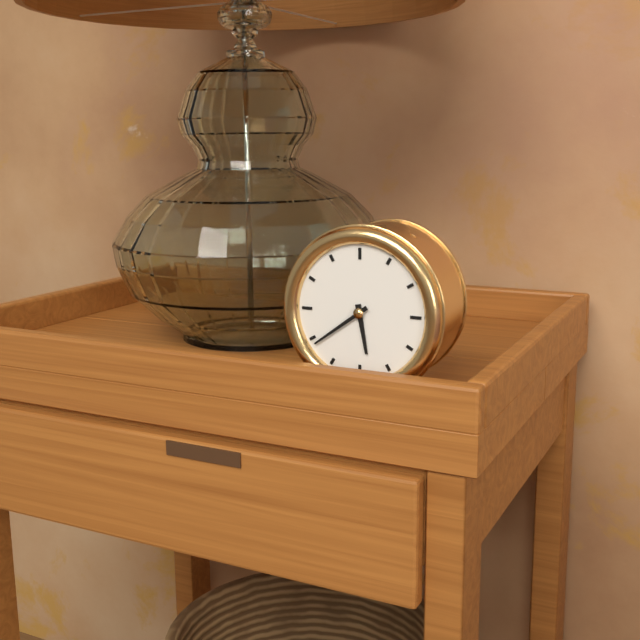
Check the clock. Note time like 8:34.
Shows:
5:39
